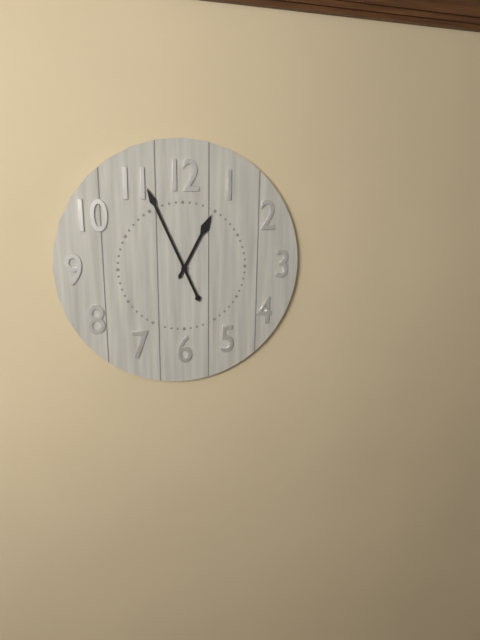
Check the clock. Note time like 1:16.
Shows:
12:56
